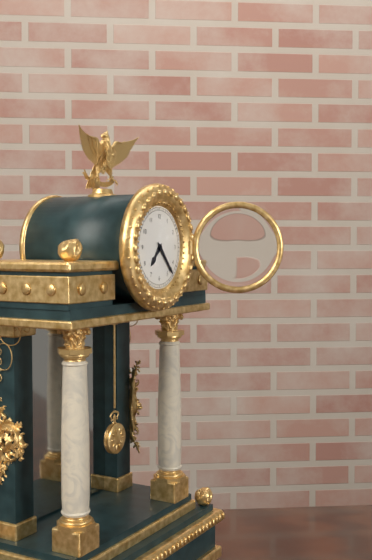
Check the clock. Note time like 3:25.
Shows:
7:23
